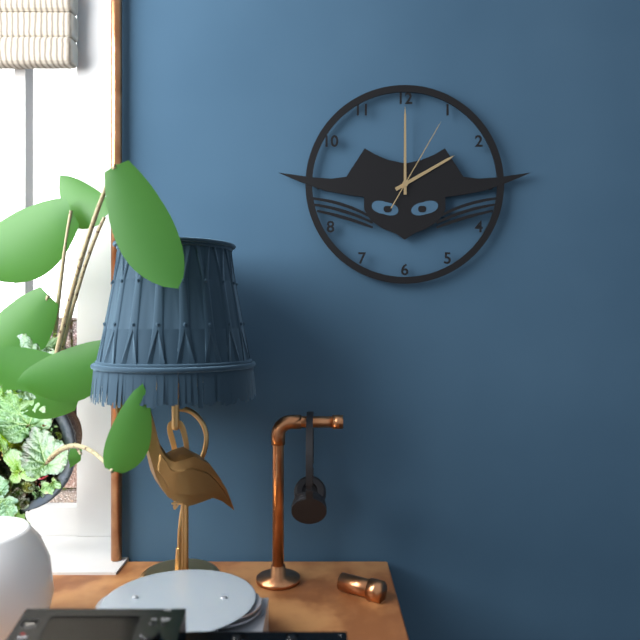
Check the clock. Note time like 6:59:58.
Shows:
2:00:05
